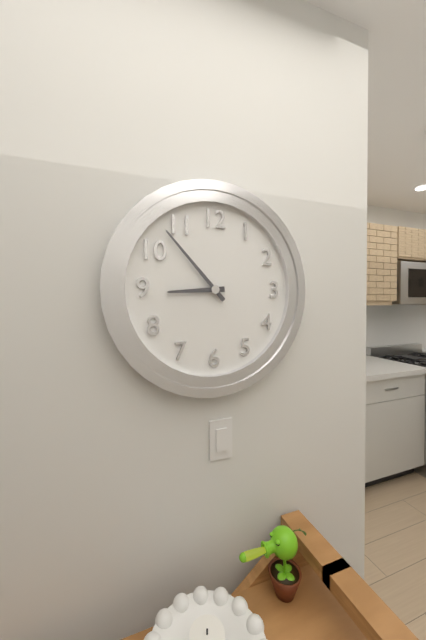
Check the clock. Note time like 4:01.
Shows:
8:53
